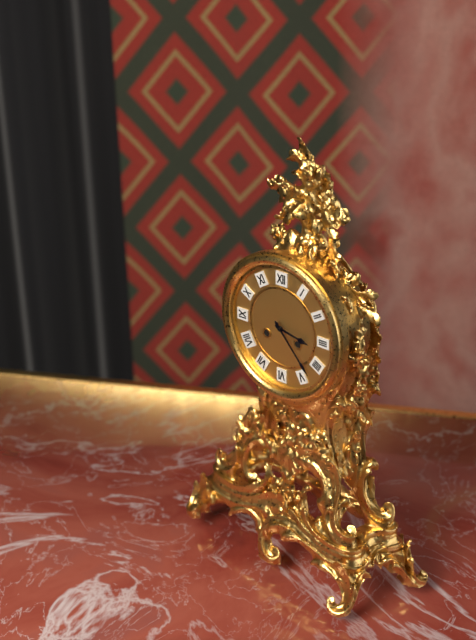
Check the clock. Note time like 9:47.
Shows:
3:23
